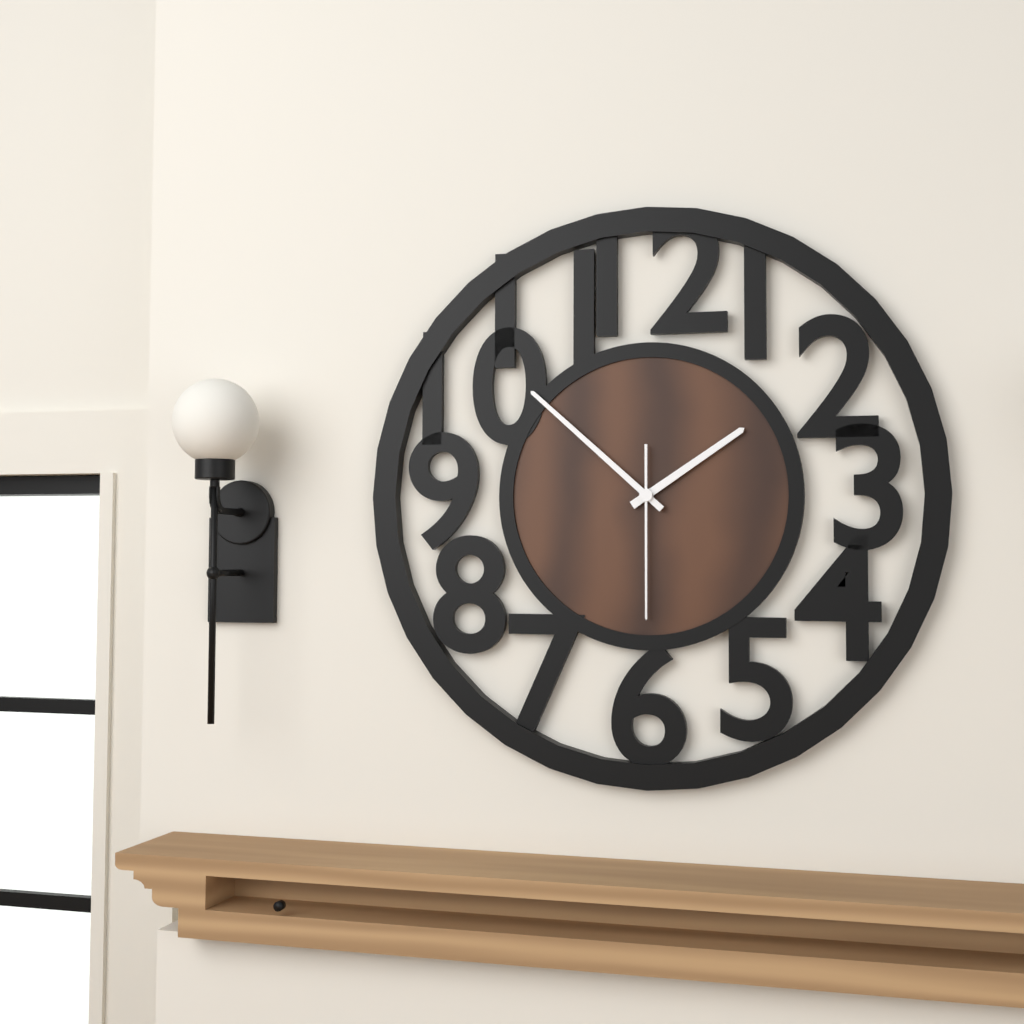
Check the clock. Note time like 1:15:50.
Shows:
1:52:30
